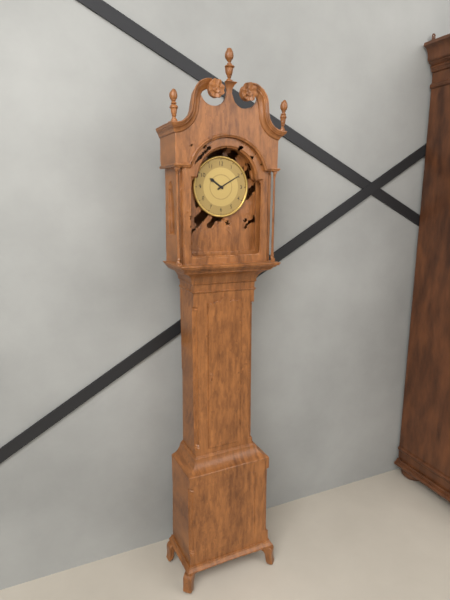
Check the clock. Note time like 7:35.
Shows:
10:10
